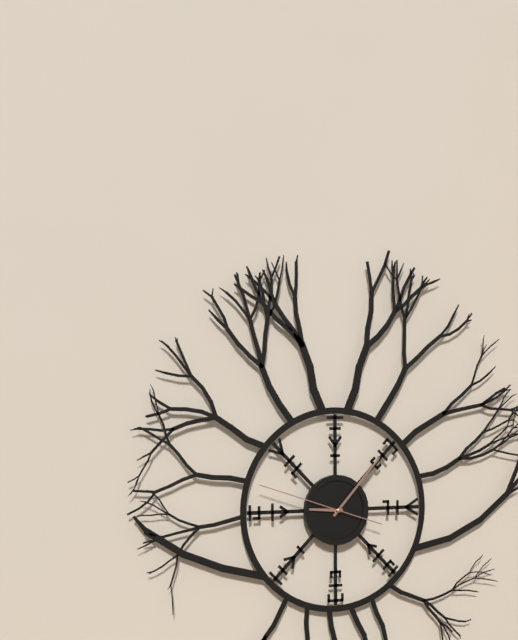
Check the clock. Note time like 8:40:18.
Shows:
9:07:48
